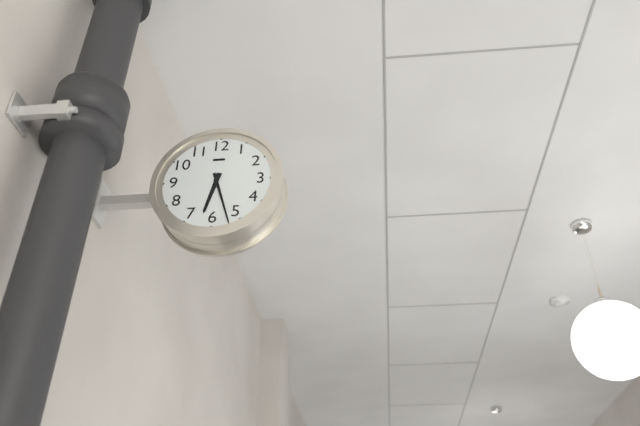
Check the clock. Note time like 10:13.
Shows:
6:27
